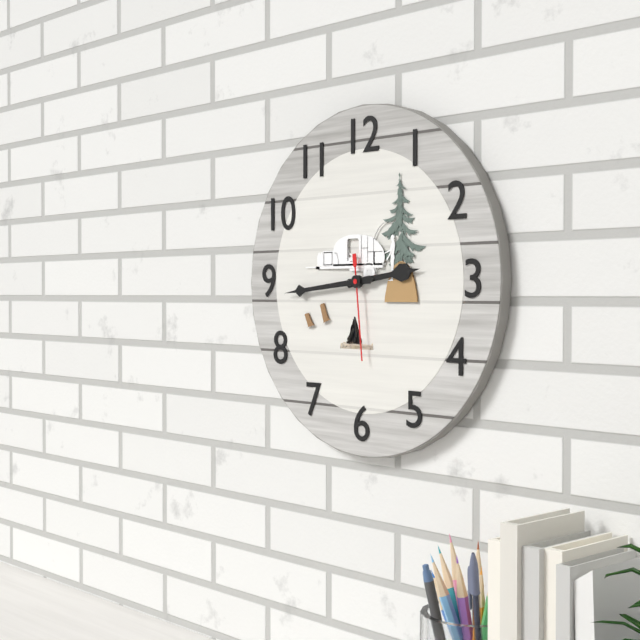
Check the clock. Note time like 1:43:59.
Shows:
2:44:29
